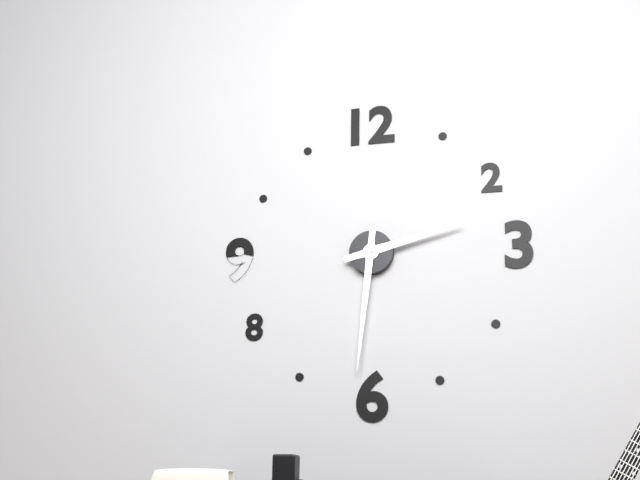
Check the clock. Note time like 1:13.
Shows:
2:31
